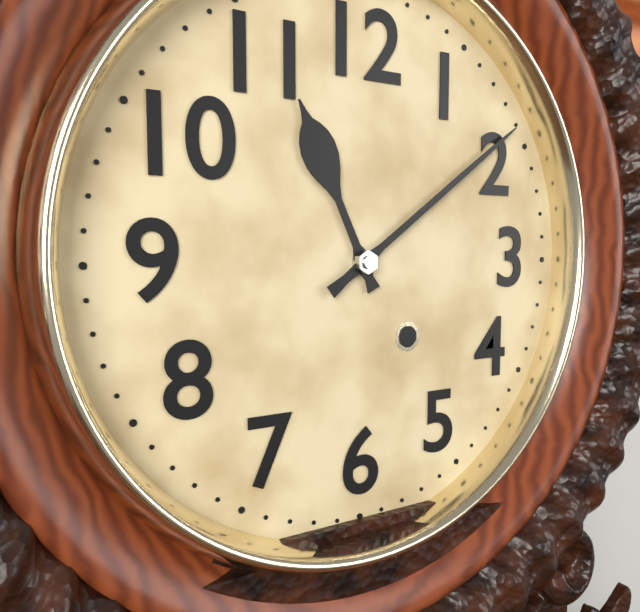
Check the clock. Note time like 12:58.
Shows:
11:09
